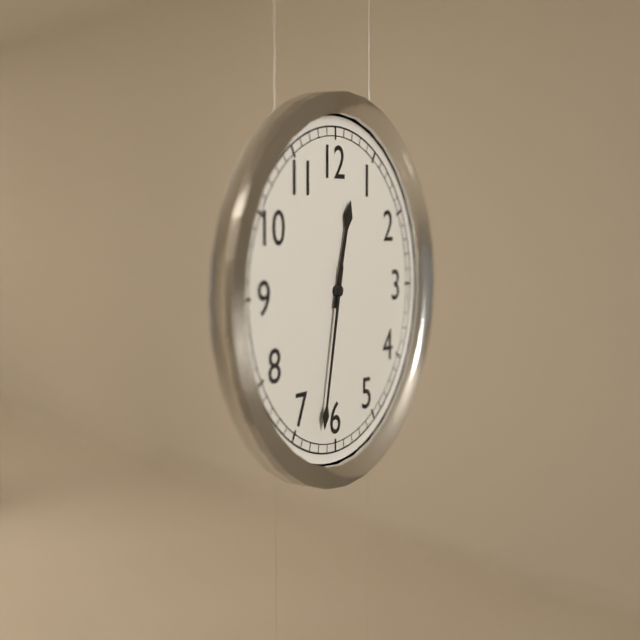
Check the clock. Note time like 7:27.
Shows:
12:32
